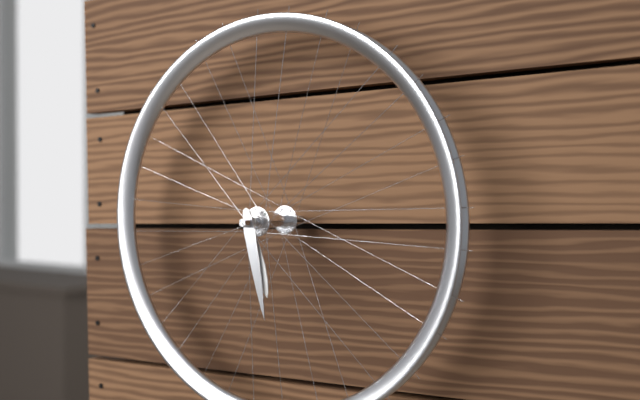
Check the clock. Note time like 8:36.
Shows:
5:28
